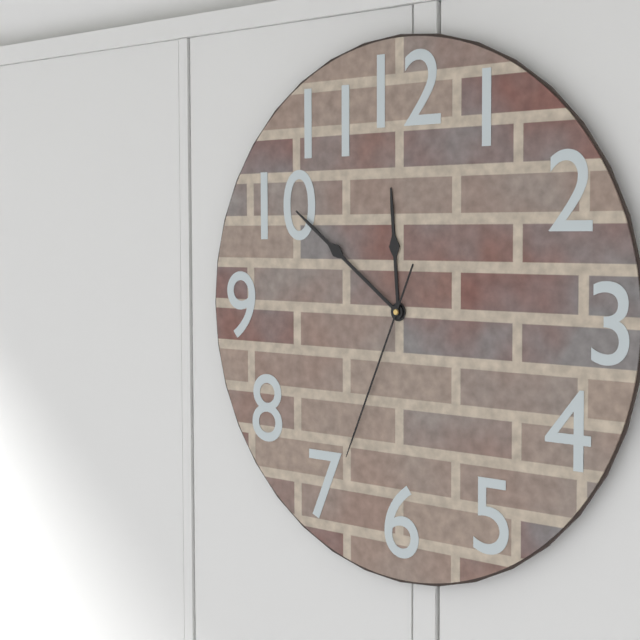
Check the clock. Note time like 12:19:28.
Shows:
11:51:34
